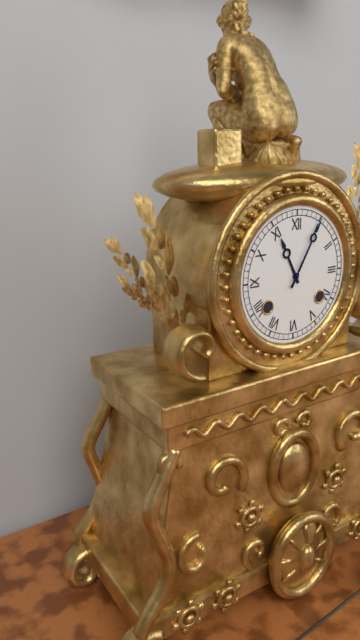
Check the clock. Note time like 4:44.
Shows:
11:05
